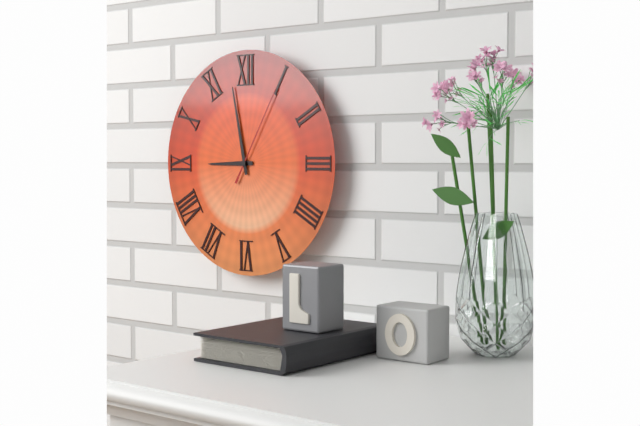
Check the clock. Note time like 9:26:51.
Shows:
8:58:05
